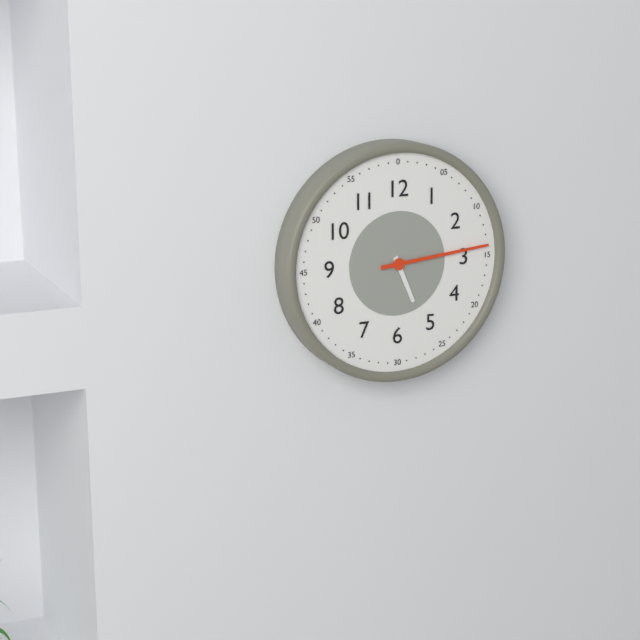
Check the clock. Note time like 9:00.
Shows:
5:14
